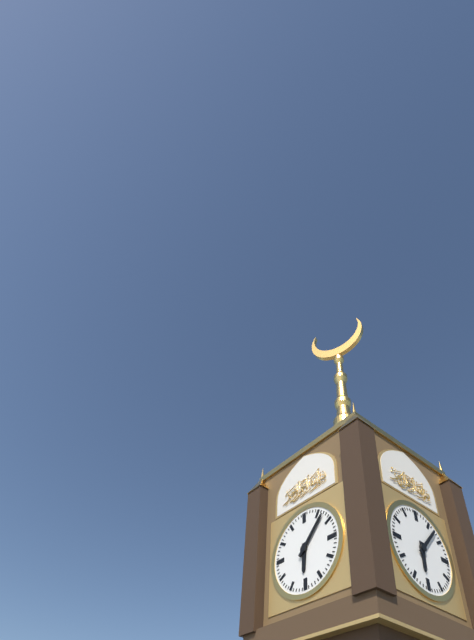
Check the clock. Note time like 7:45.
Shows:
6:07
